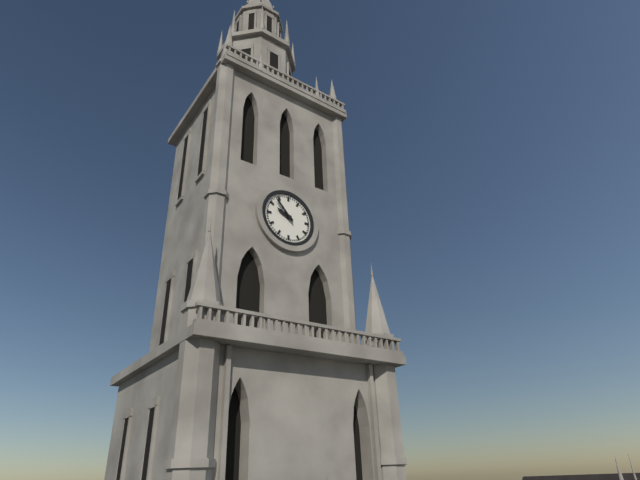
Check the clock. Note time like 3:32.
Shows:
9:53
